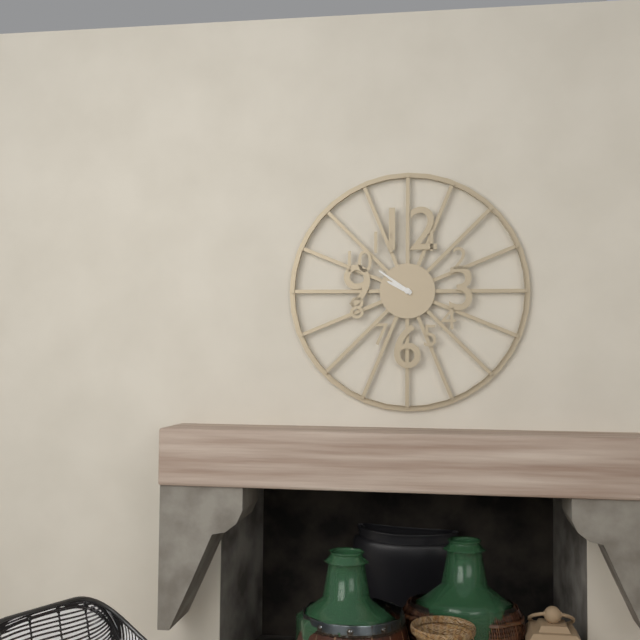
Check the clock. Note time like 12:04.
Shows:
9:51
